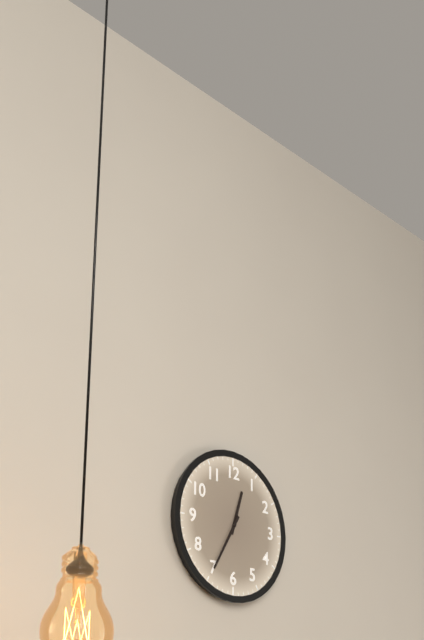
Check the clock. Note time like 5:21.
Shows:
12:35
